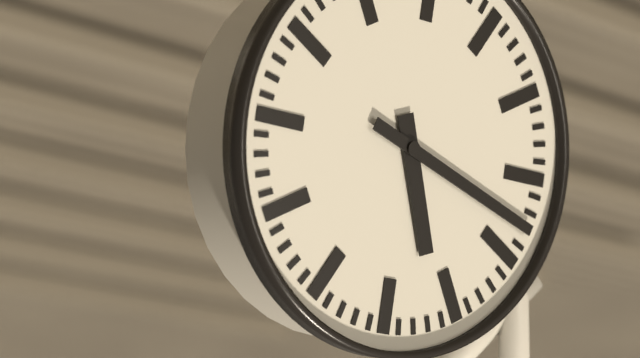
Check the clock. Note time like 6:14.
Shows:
5:18
